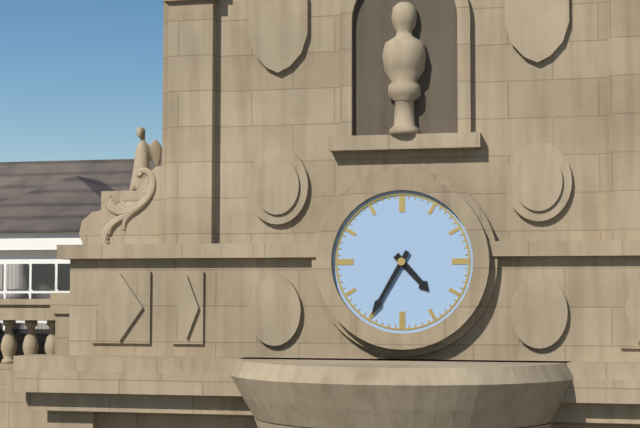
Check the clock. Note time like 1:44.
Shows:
4:35
